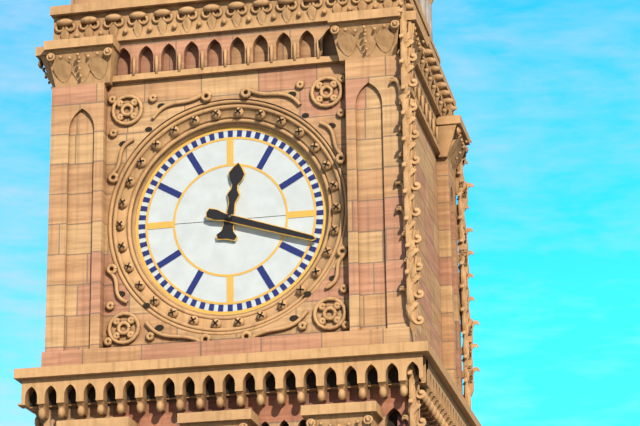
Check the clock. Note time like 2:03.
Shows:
12:18
